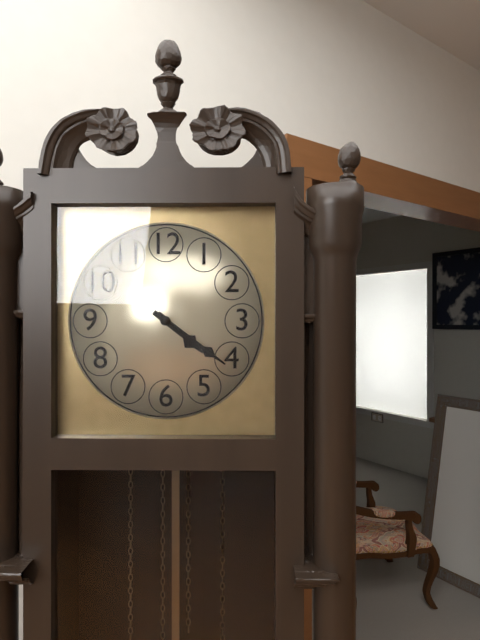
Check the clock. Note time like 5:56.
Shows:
4:21
